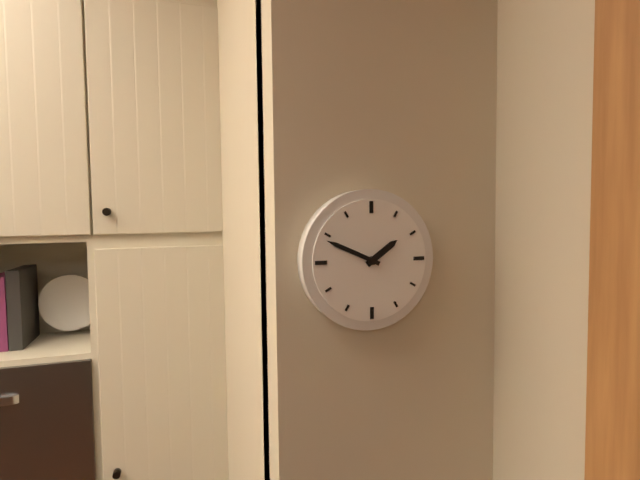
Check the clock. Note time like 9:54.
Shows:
1:49
